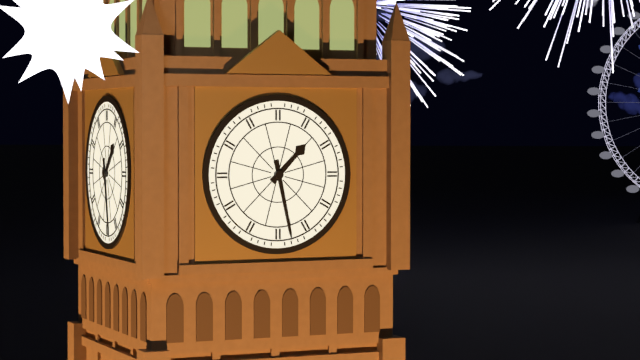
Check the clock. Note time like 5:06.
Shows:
1:28
